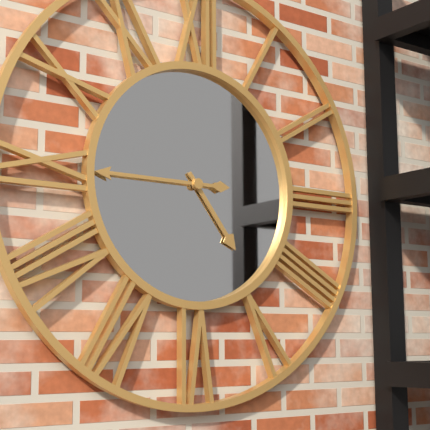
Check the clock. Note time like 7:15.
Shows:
4:45
